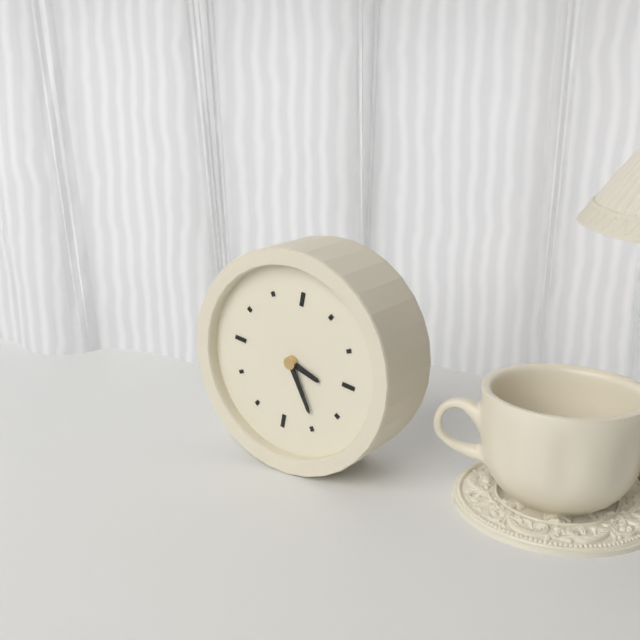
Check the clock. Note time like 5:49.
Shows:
3:24
